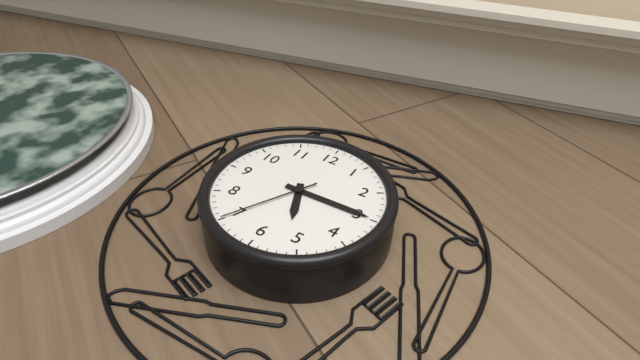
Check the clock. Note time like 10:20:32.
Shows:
5:15:35
